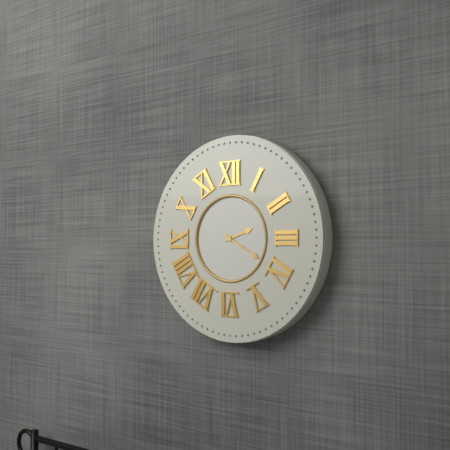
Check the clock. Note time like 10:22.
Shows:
2:20
